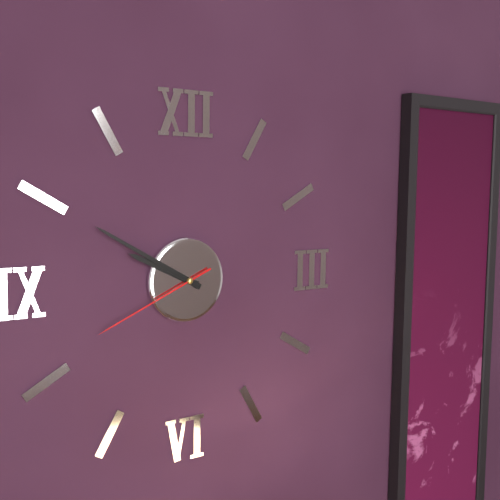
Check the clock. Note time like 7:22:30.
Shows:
9:50:41
